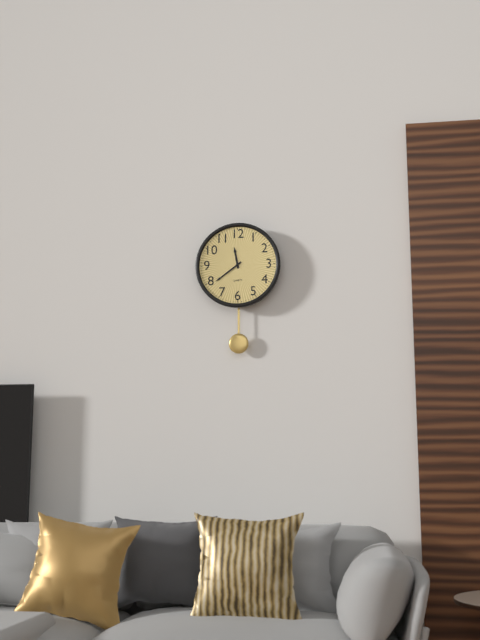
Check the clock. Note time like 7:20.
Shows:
11:39
